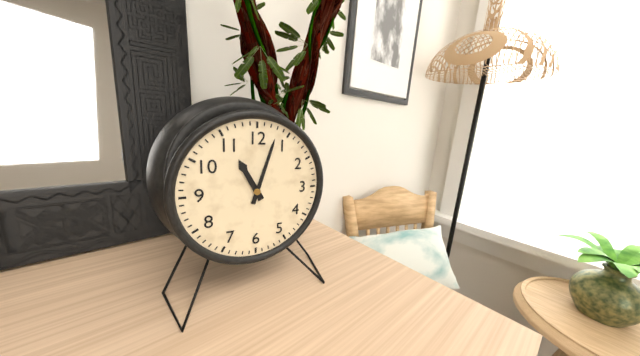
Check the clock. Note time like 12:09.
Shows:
11:03
